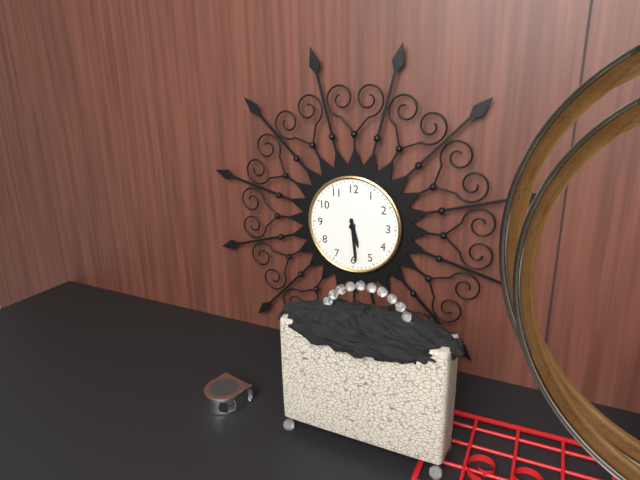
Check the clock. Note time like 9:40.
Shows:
5:29
